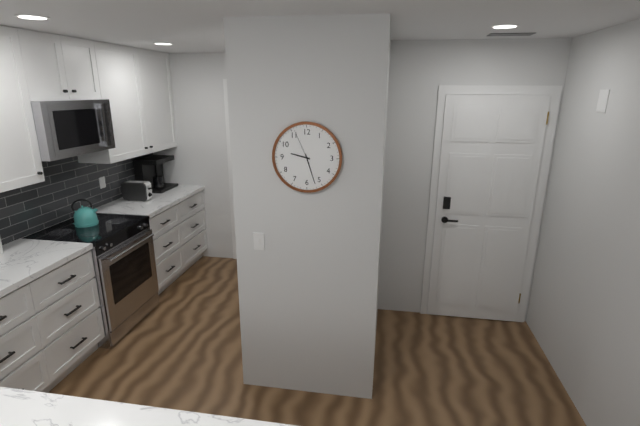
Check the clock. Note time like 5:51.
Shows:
9:27
